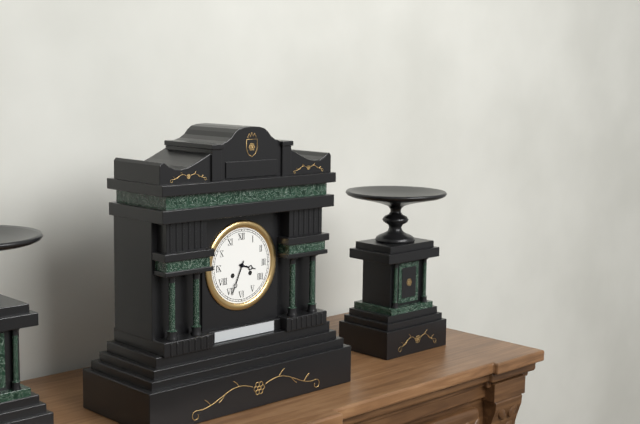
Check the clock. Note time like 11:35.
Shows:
3:34
